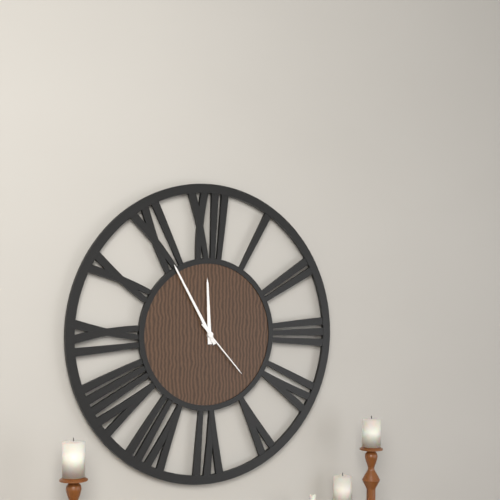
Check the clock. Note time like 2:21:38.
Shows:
11:55:23
